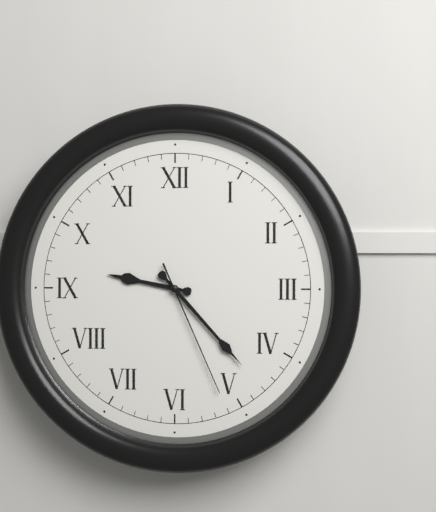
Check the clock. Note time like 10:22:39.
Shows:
9:23:26
